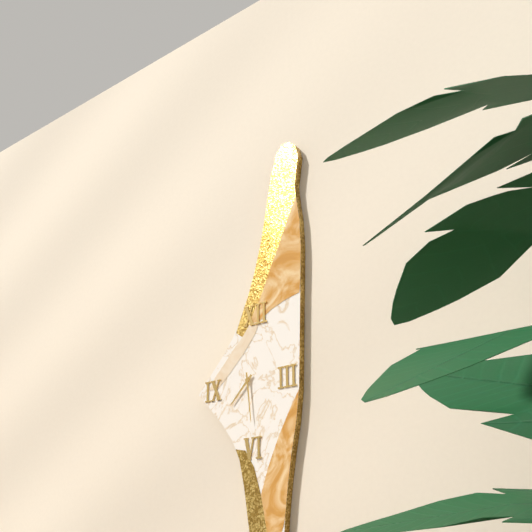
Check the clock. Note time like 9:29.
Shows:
7:29
